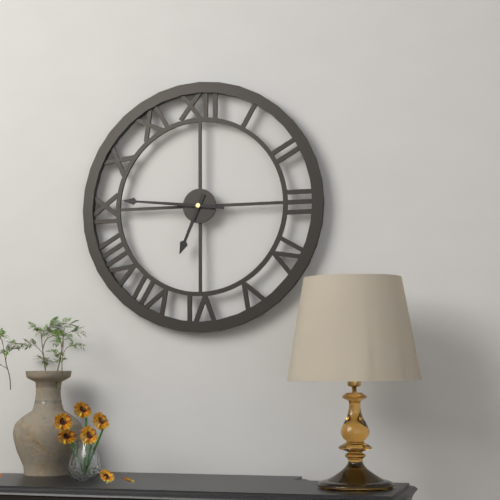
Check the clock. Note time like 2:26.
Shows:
6:46
